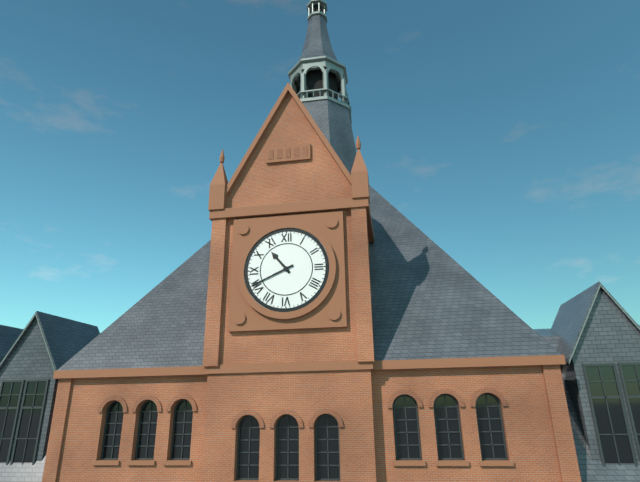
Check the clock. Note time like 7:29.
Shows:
10:41
